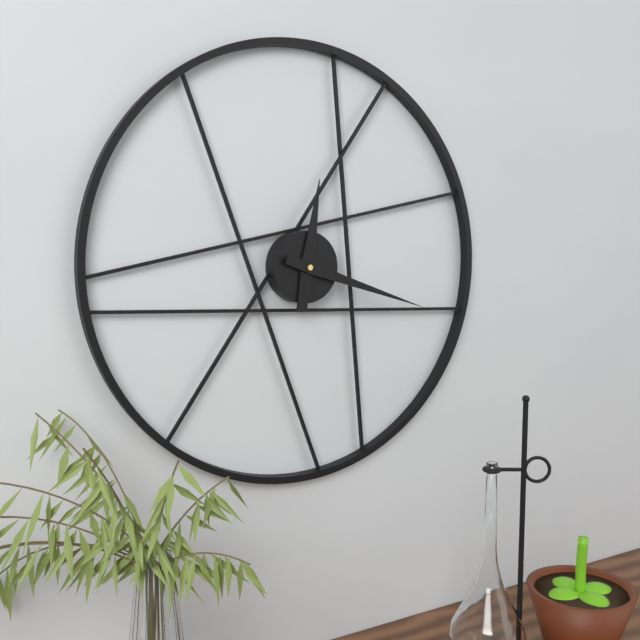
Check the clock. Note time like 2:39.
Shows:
12:18
